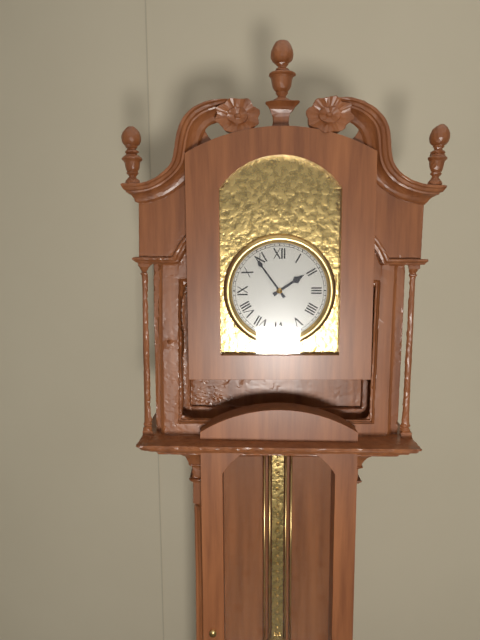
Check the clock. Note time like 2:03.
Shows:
1:54
